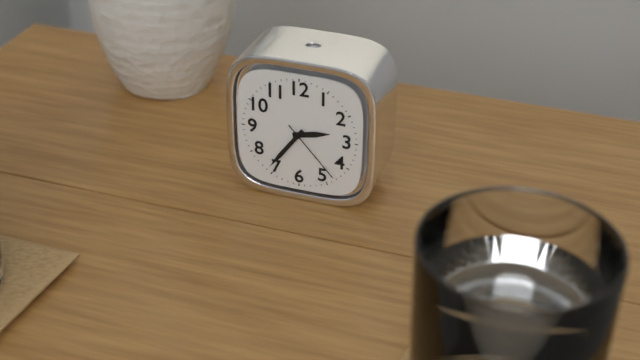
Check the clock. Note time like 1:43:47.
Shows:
2:36:23
